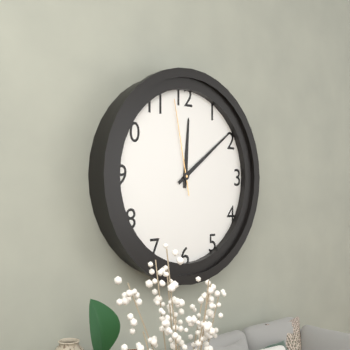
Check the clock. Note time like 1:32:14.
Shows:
12:09:58
